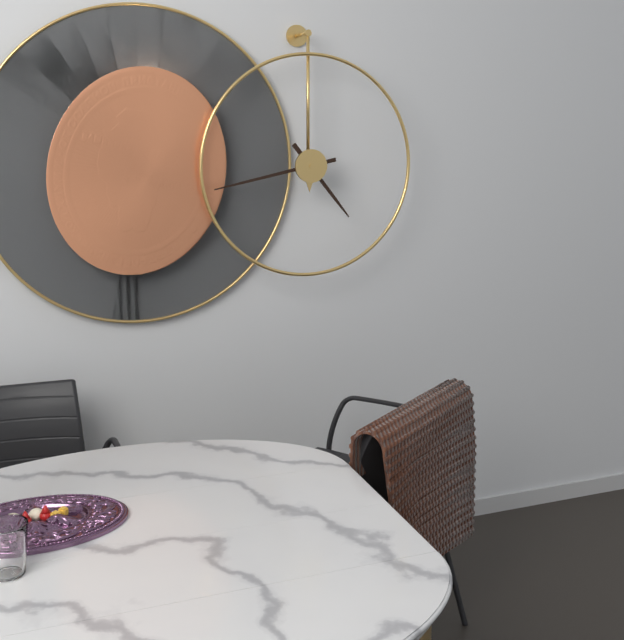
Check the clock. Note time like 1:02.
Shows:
4:43
